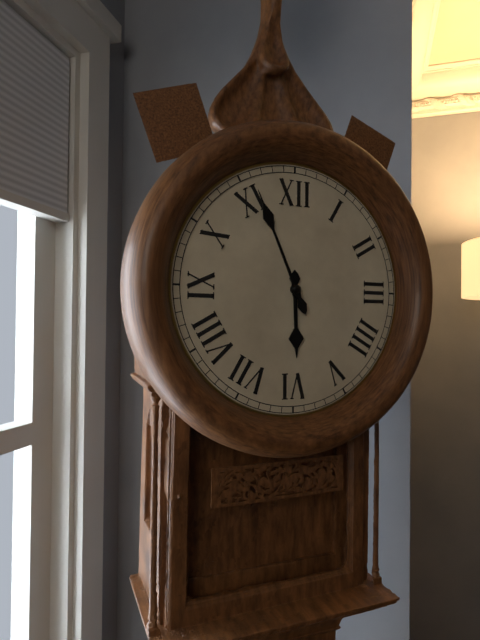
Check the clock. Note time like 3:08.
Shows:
5:56
